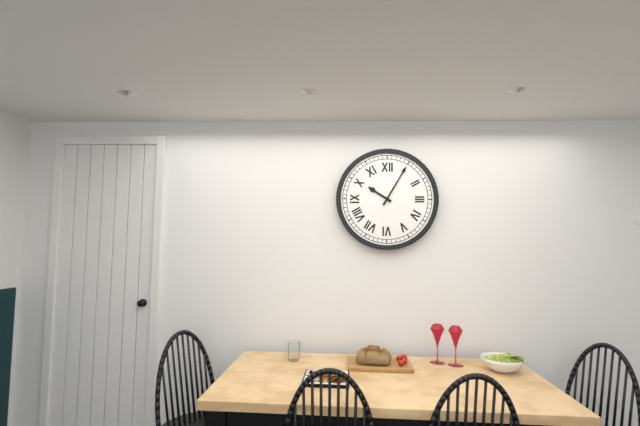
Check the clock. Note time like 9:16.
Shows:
10:05
